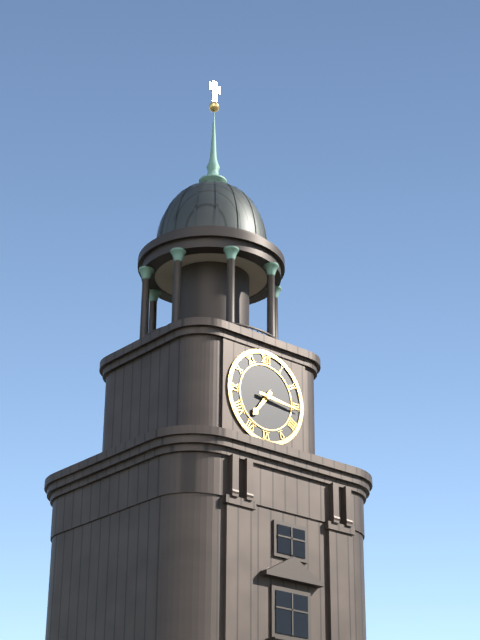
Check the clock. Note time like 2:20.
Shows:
7:16
